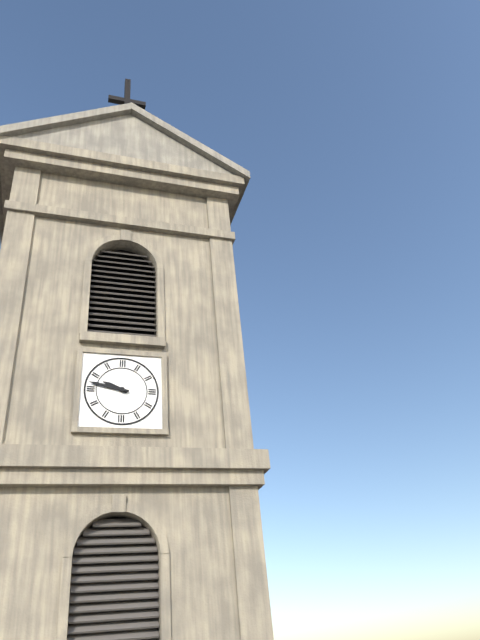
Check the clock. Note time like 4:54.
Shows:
9:47
